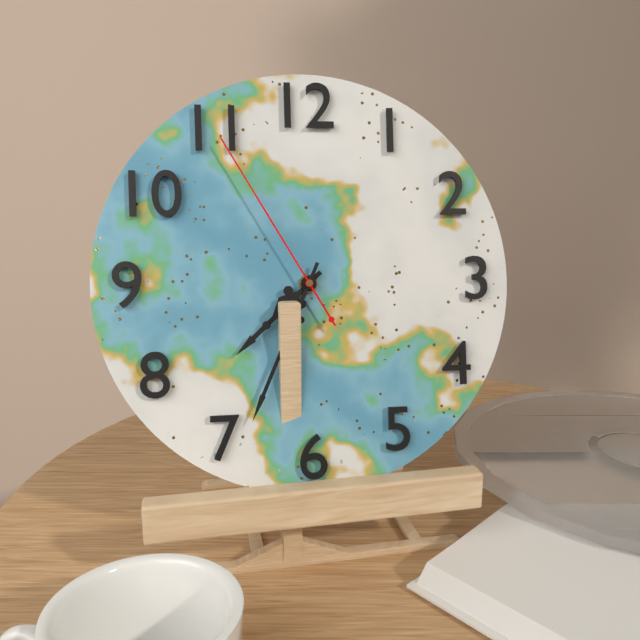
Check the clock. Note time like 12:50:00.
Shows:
7:34:55
